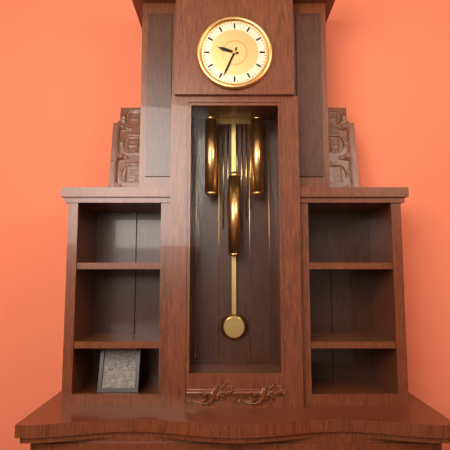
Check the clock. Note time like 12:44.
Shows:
9:34
